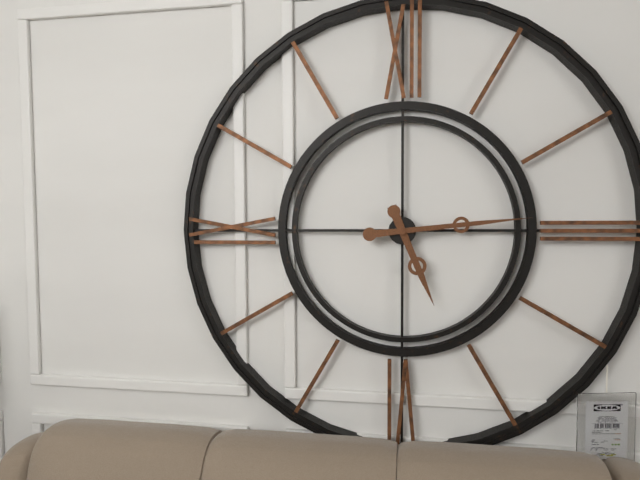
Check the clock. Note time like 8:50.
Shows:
5:14
